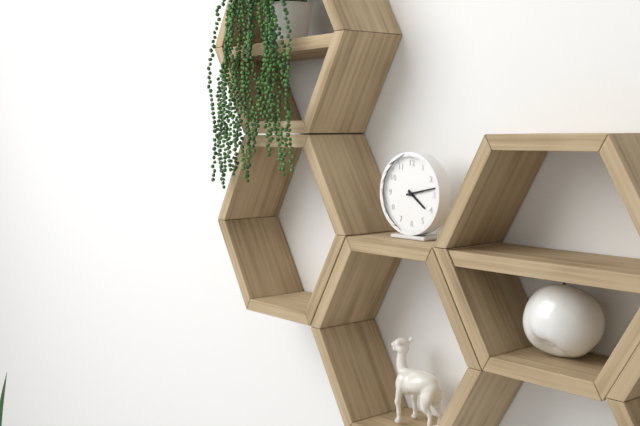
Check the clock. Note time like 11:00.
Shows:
4:13
